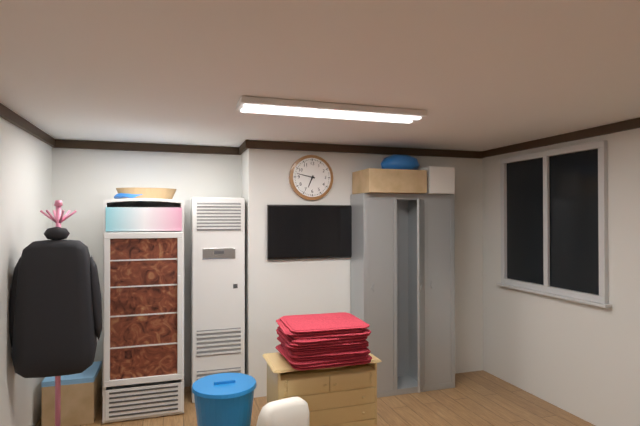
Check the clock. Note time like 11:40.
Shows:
6:47
